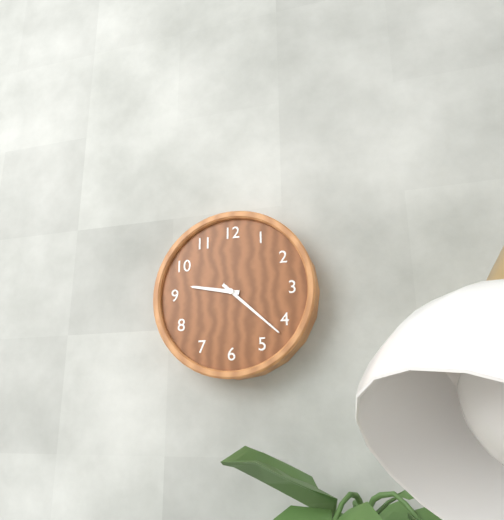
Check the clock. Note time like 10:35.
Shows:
9:22
